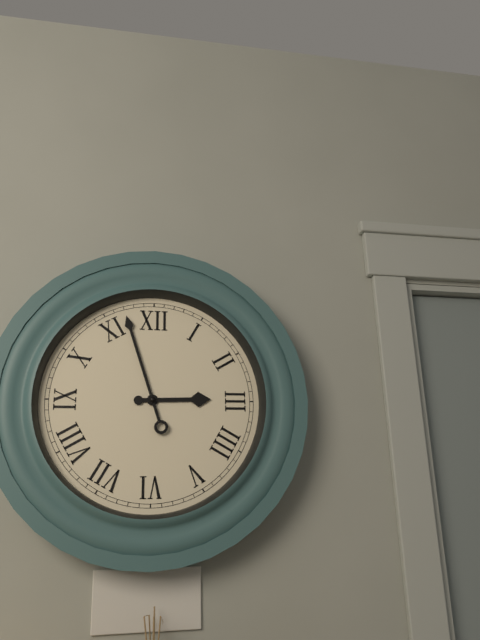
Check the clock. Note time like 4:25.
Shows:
2:57
